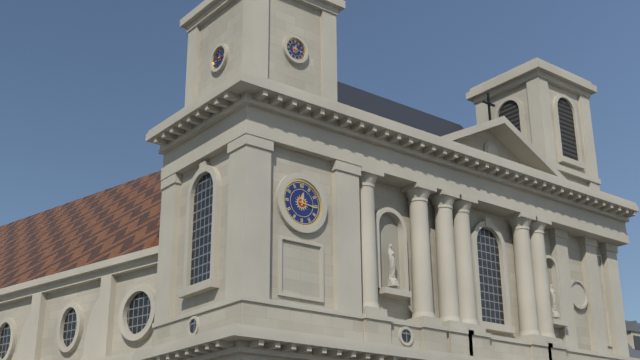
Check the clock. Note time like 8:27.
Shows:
12:16
